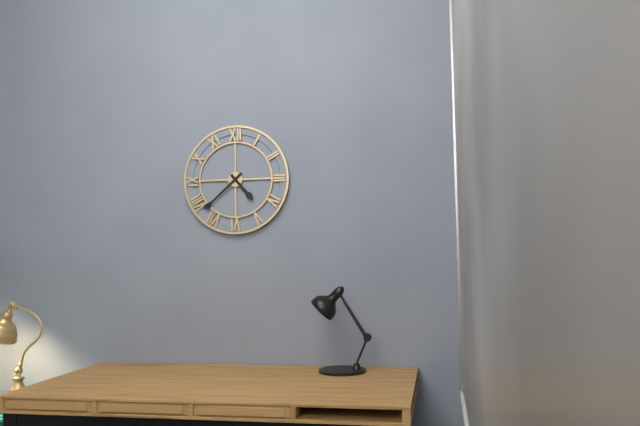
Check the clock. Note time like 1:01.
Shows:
4:38
